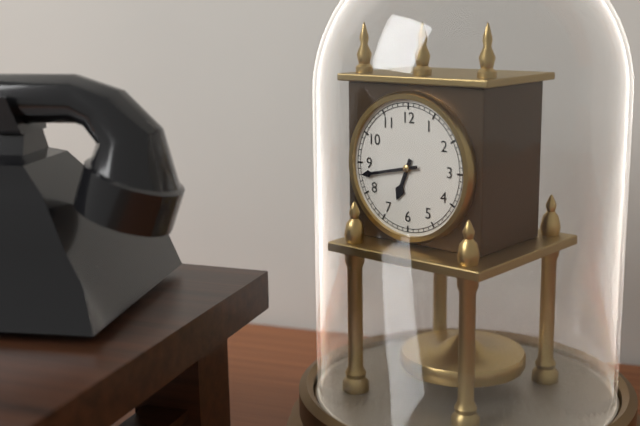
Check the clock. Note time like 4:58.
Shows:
6:43
